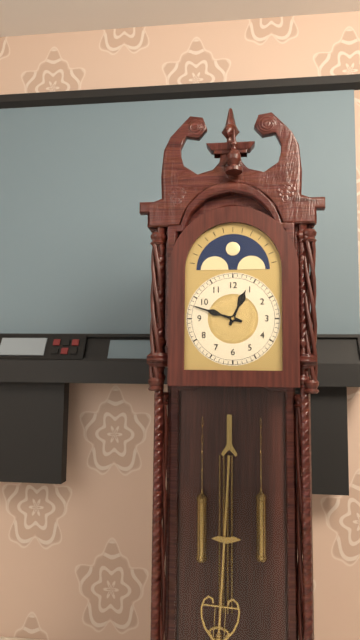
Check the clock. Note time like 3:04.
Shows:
12:48
